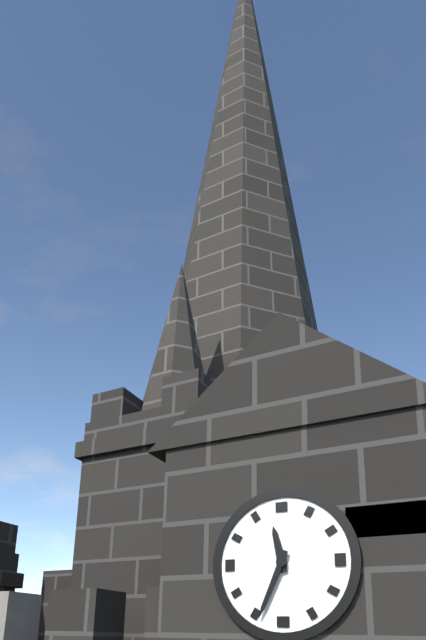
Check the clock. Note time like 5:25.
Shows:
11:34
